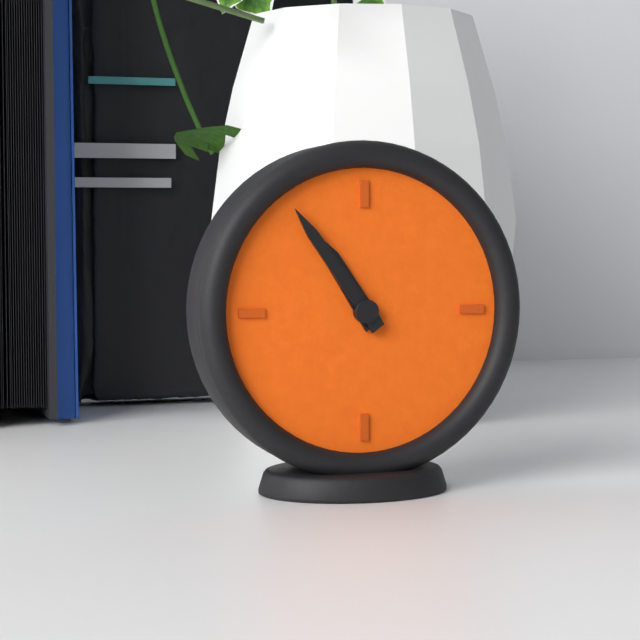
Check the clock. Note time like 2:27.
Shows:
10:54
